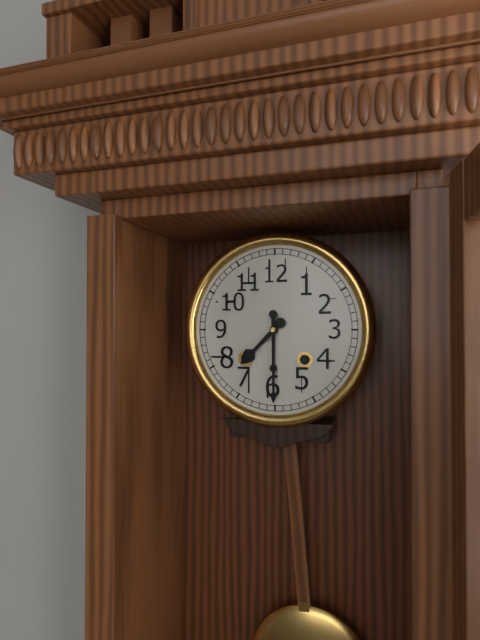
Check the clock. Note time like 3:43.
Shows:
7:30
